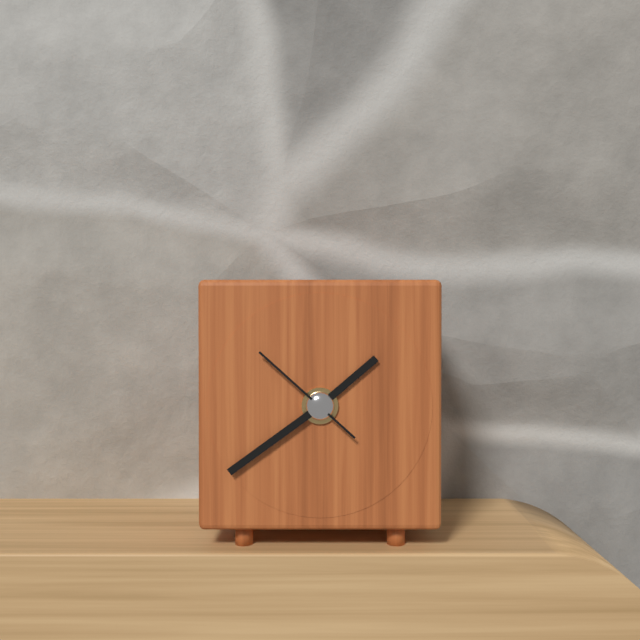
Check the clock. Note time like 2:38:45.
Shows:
1:39:52
